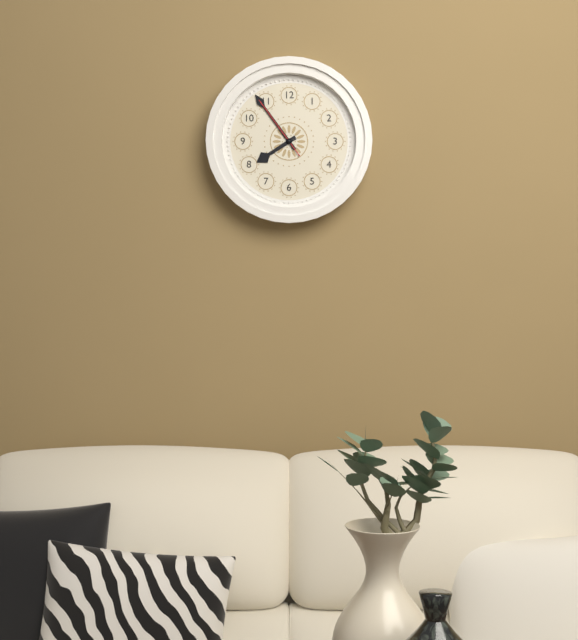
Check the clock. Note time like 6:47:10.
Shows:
7:54:54
